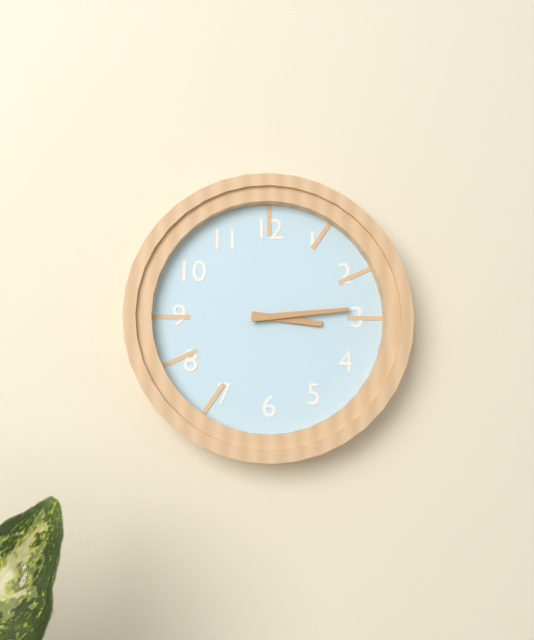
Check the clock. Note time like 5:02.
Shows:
3:14
